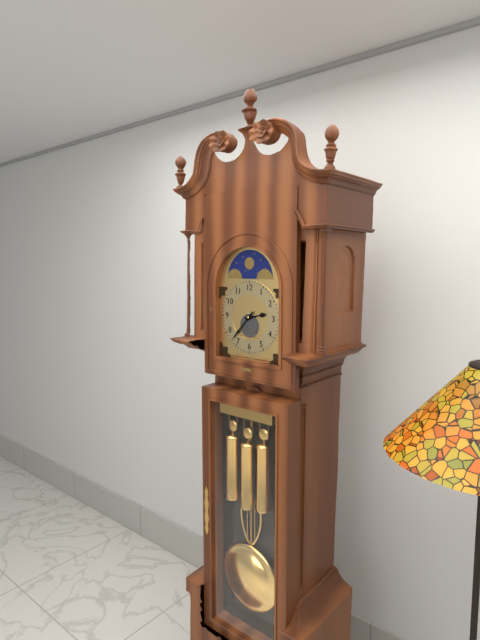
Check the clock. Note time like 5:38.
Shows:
2:37
